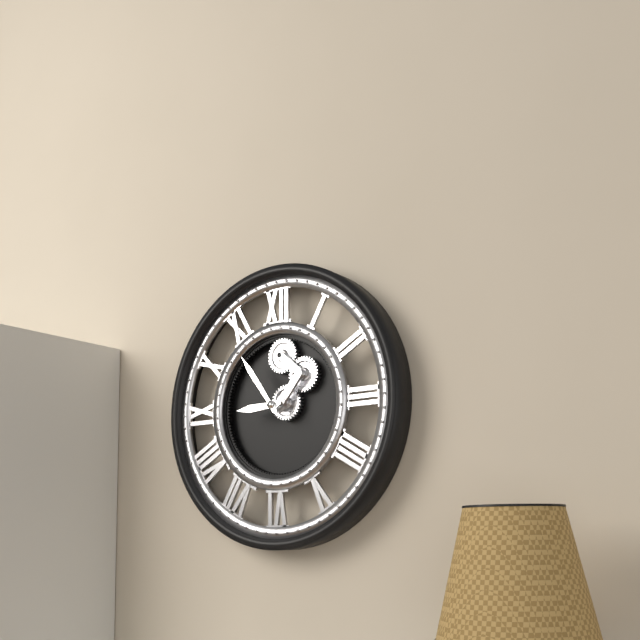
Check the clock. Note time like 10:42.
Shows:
8:54
